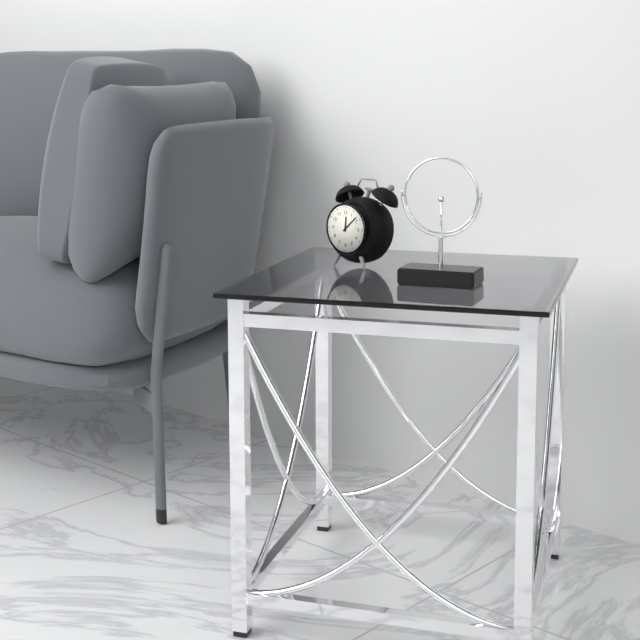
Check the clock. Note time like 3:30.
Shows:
12:08
